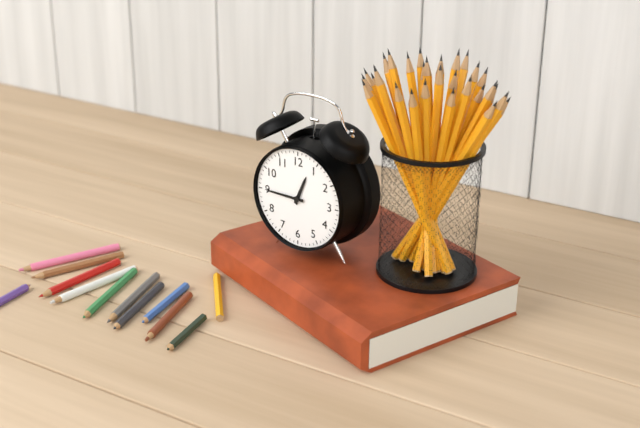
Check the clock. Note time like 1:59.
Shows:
12:45
